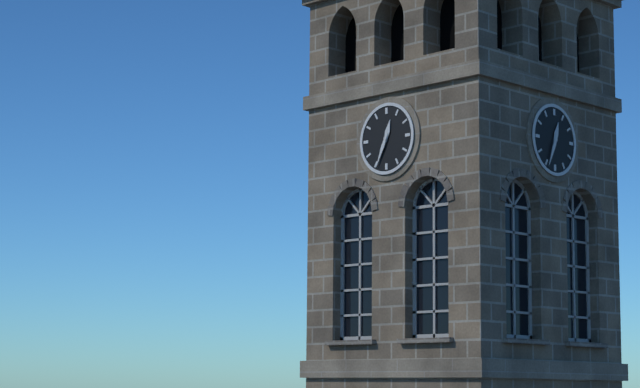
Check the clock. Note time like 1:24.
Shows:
12:34
